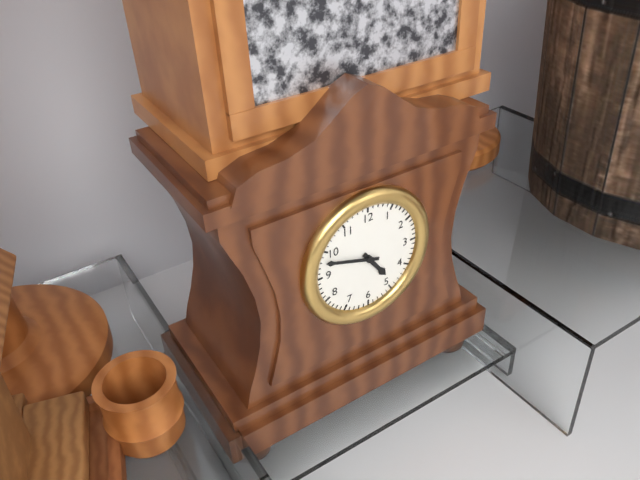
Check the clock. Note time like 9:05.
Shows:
4:48
